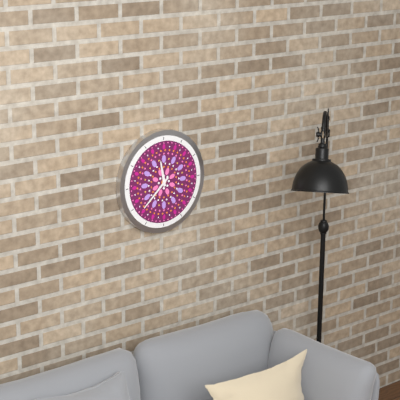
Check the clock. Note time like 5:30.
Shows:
11:38
